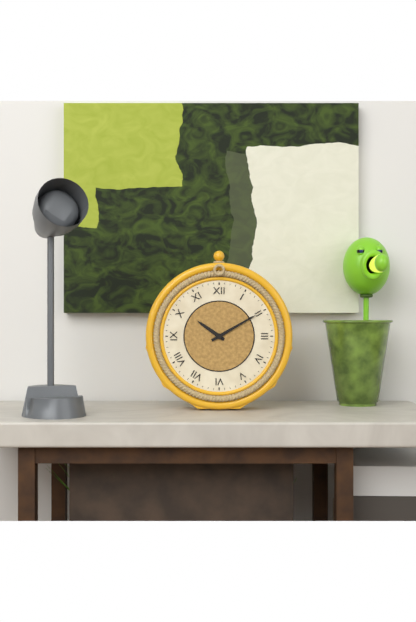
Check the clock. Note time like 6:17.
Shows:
10:10
